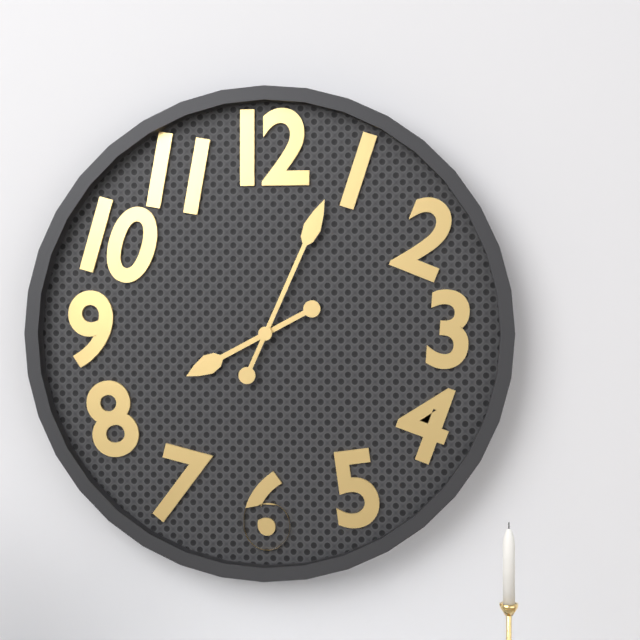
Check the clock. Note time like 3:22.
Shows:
8:04
